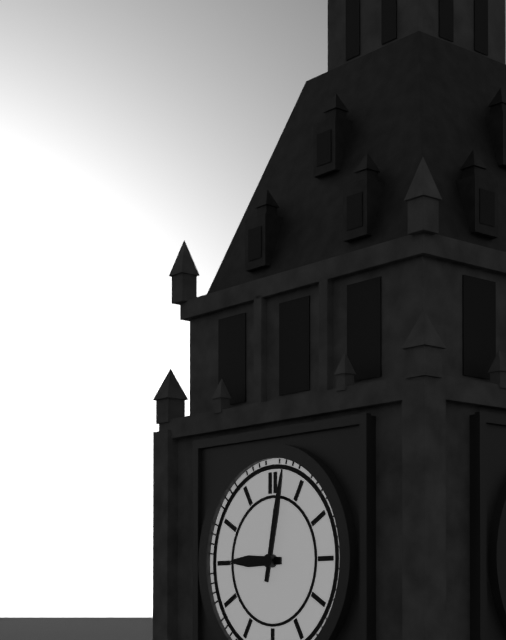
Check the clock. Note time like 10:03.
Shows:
9:02
